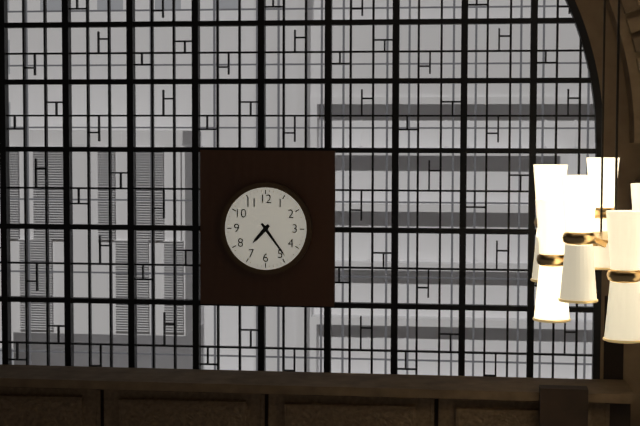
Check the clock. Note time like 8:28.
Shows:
7:24
